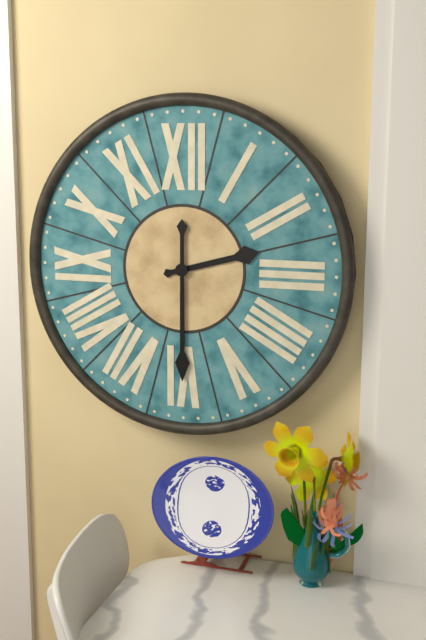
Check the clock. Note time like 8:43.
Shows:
2:30
